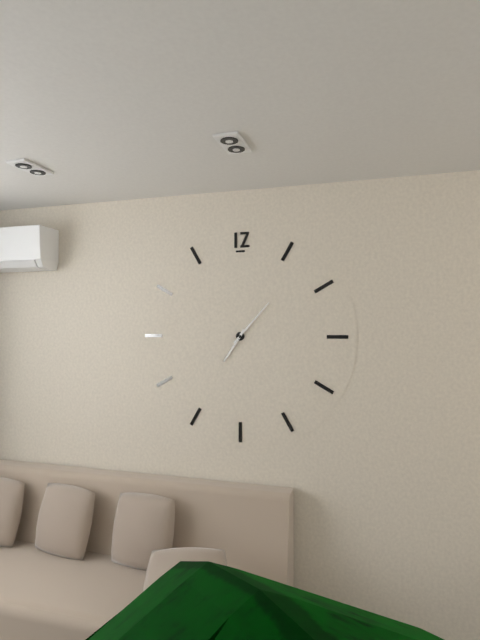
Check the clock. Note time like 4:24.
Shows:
7:07
